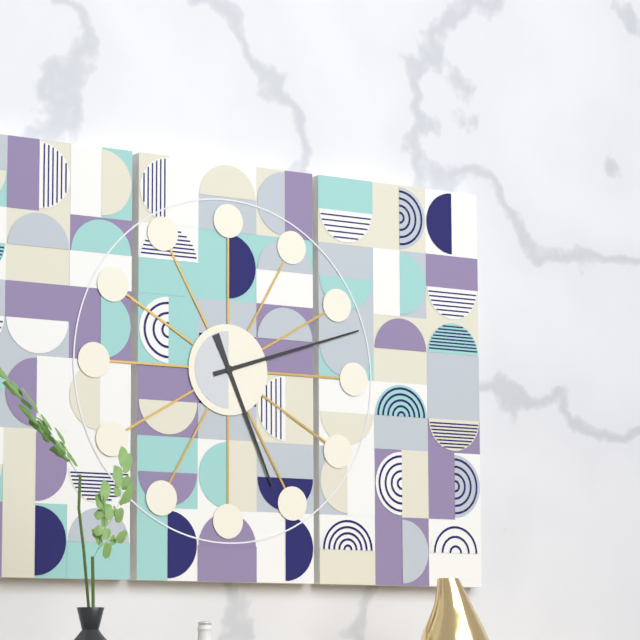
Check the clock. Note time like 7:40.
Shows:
5:12
